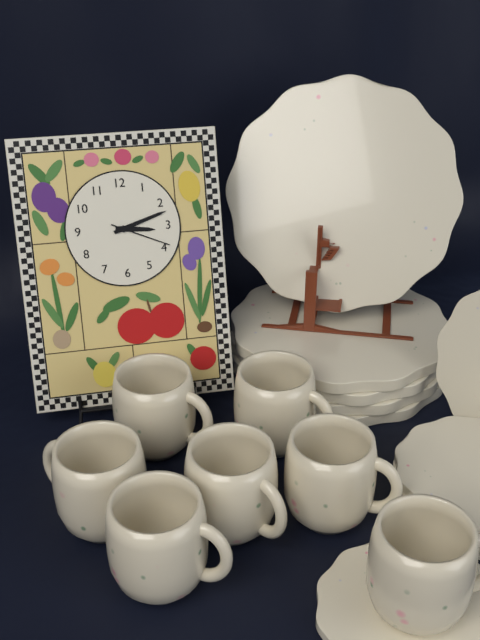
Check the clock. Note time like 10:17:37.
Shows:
3:12:19
